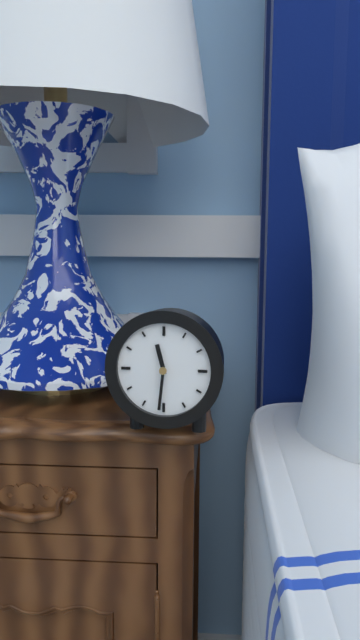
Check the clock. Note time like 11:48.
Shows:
11:31
